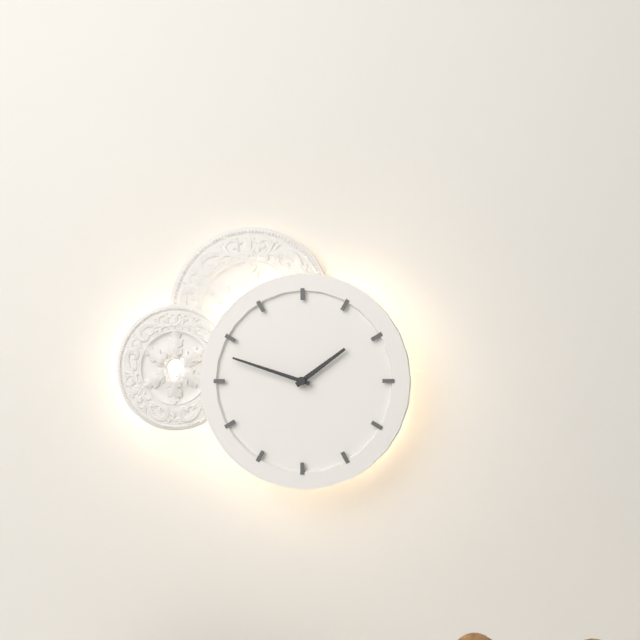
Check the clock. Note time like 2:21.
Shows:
1:48
